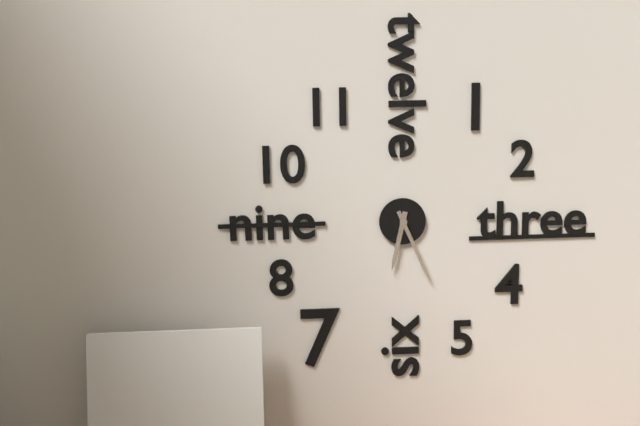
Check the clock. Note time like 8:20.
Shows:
6:26
